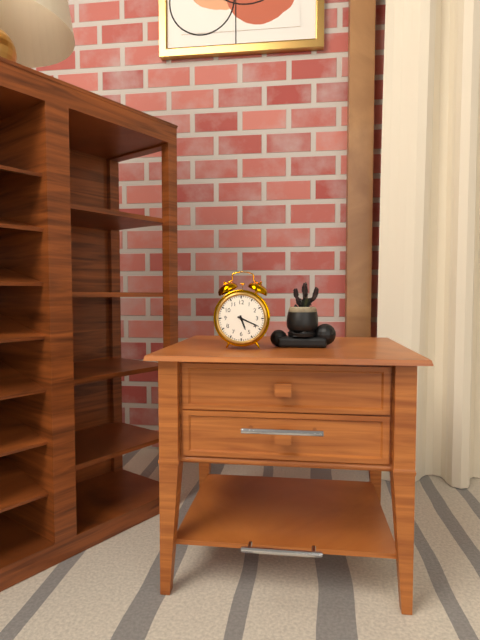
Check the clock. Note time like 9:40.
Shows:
5:19
